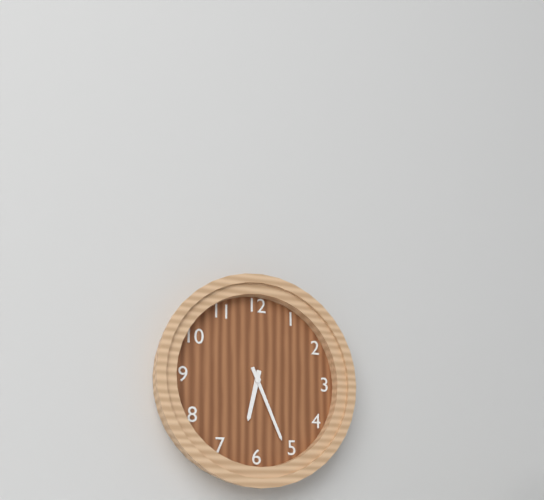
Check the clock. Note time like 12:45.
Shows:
6:26
